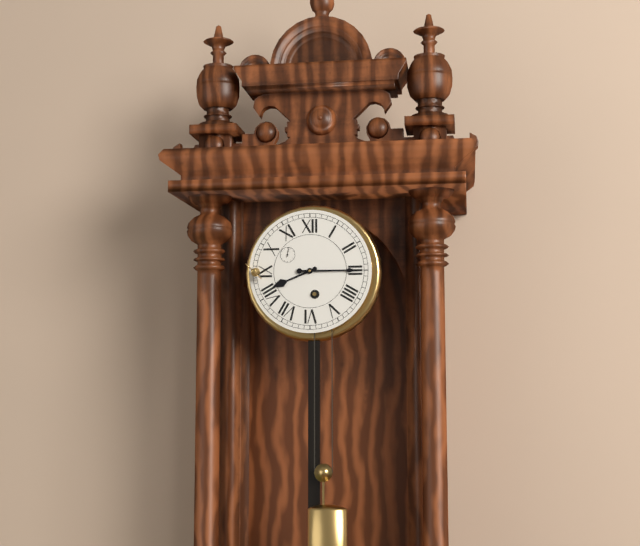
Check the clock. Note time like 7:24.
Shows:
8:15
